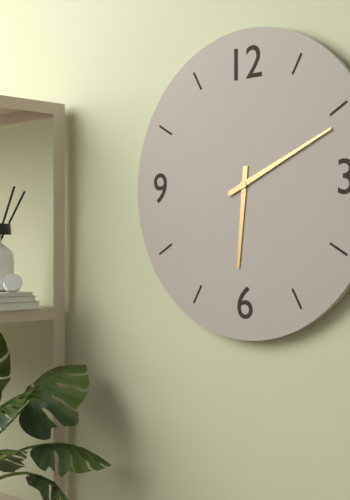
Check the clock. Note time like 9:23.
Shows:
6:11
